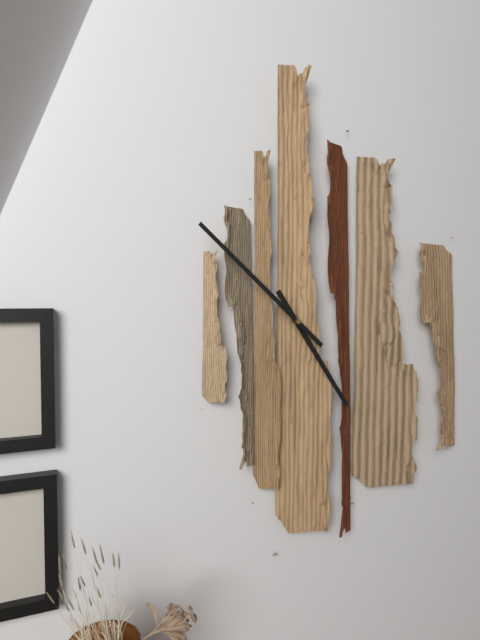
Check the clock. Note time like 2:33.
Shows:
4:52
